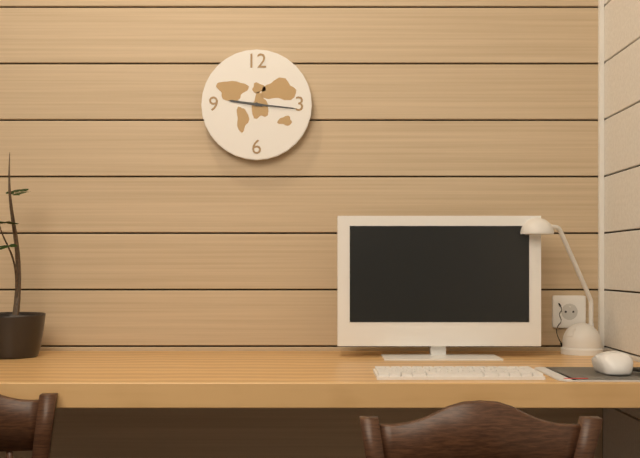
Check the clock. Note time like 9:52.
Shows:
9:16
